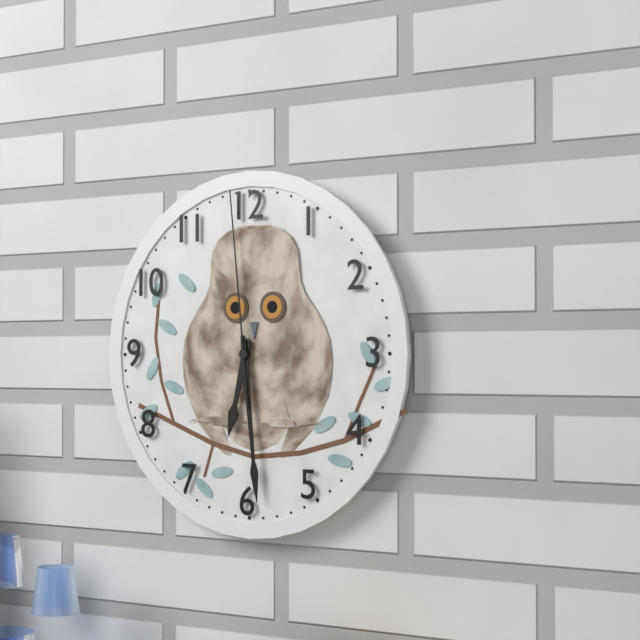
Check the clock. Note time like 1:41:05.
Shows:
6:29:59
